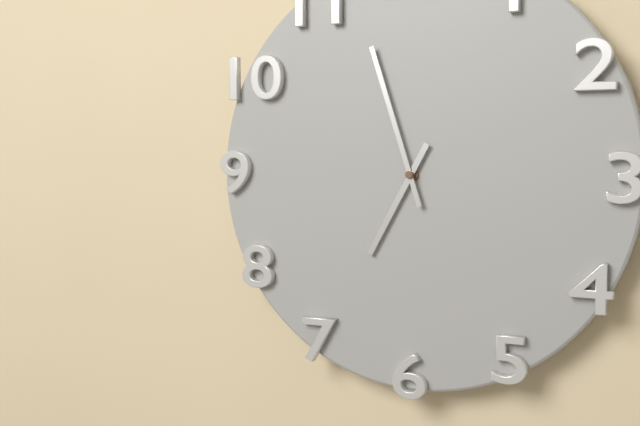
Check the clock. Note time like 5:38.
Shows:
6:57
